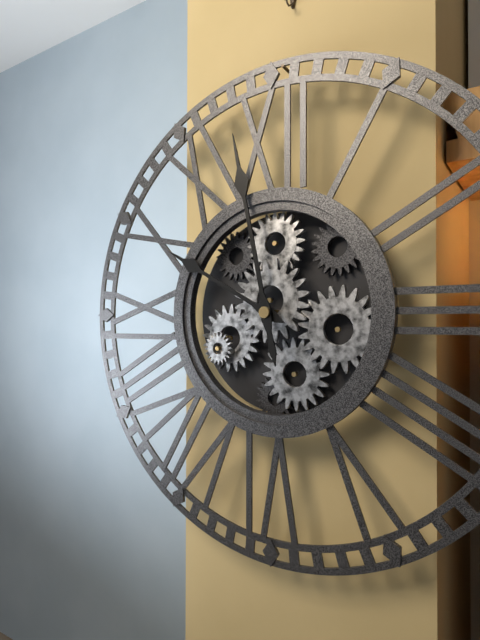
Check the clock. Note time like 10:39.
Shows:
9:58
